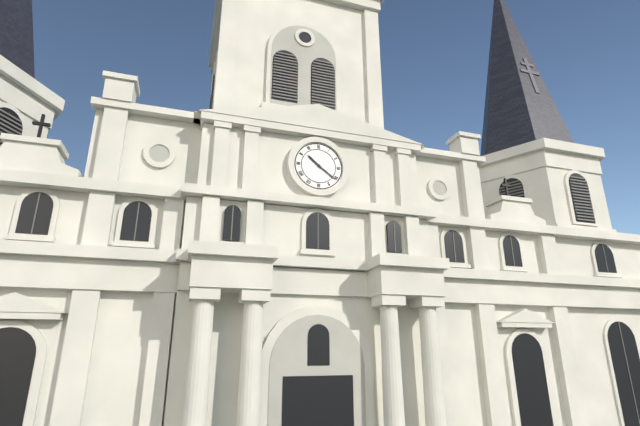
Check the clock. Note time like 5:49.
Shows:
10:21
